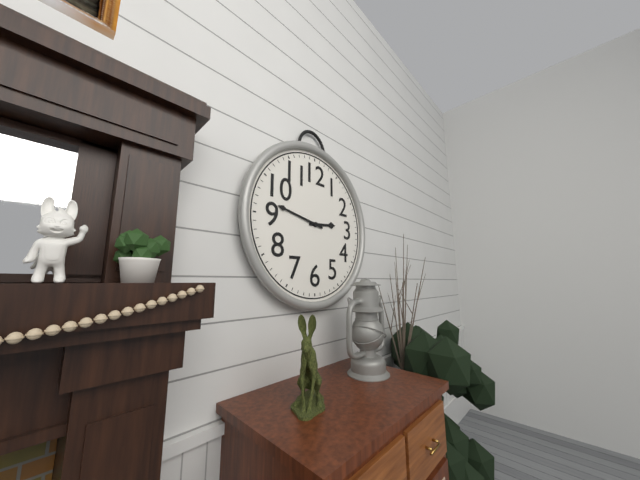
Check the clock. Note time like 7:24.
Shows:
2:47
